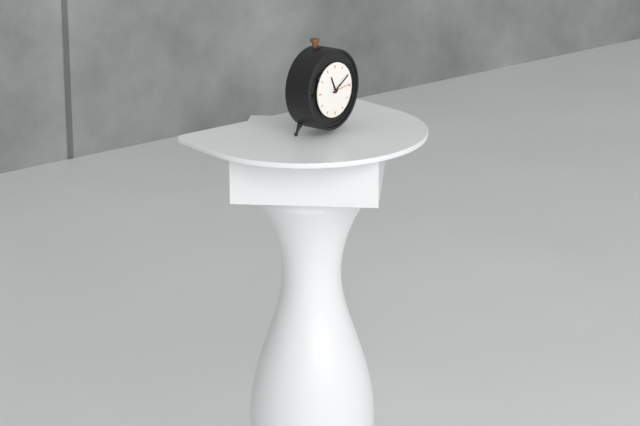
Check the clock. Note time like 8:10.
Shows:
11:10
